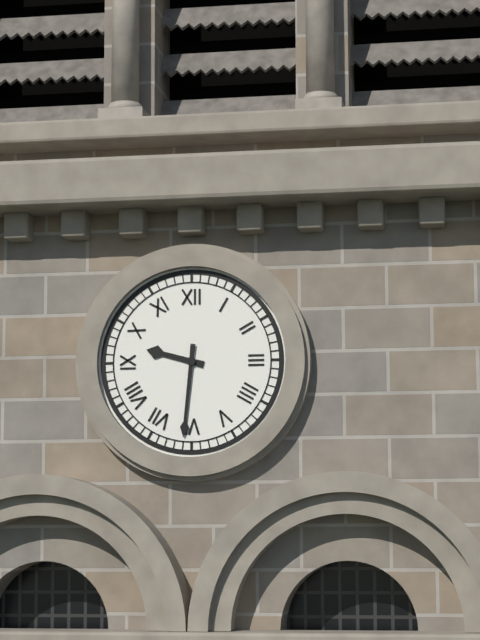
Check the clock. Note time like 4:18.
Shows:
9:31
